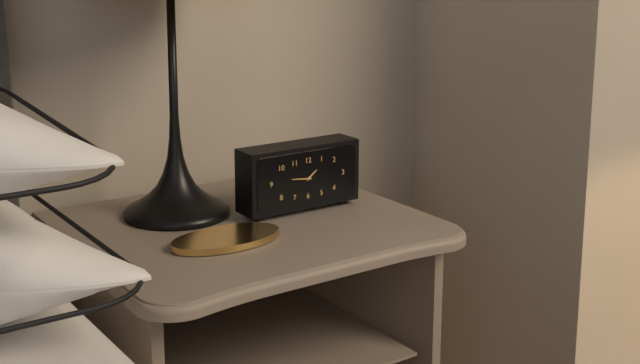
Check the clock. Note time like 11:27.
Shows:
1:46
